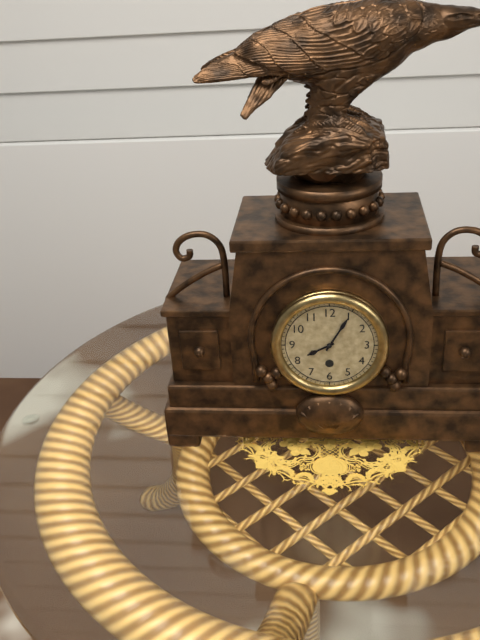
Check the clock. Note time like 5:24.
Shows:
8:05
